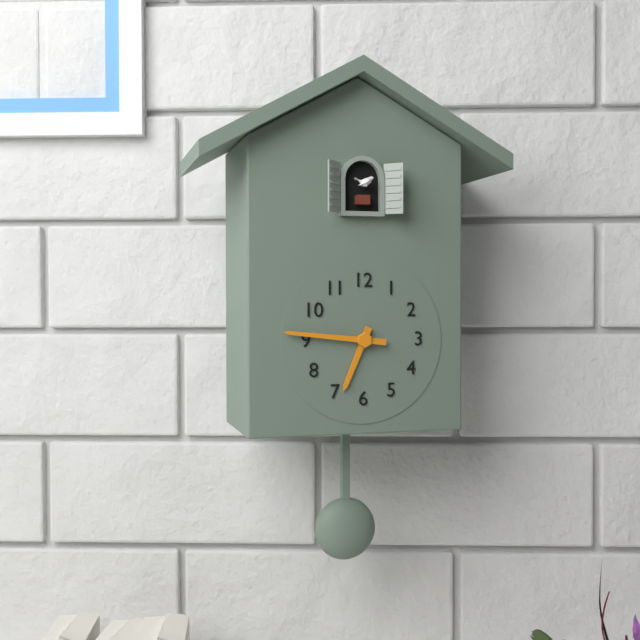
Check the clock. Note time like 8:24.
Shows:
6:46
